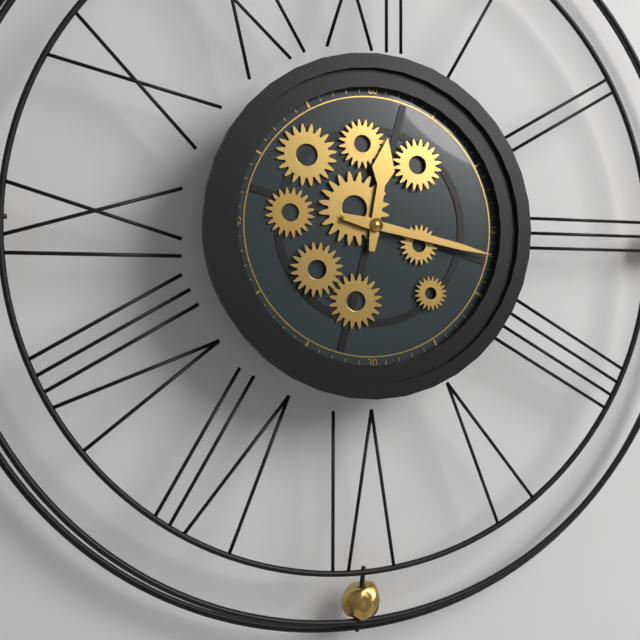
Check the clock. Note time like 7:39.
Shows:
12:17
